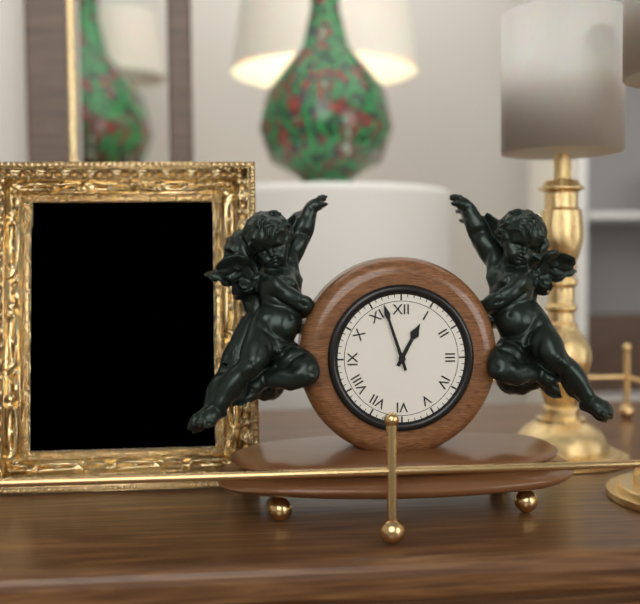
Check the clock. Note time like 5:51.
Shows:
12:57
